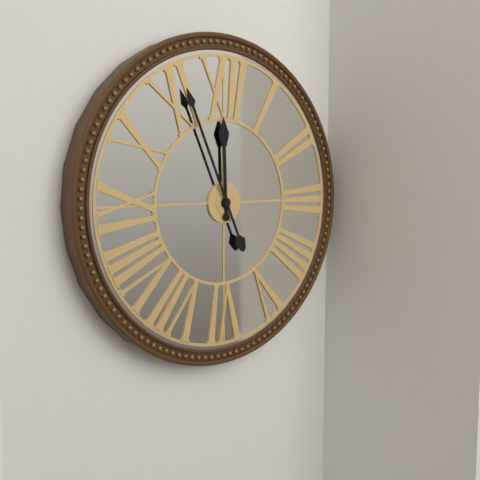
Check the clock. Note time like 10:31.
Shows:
11:56
